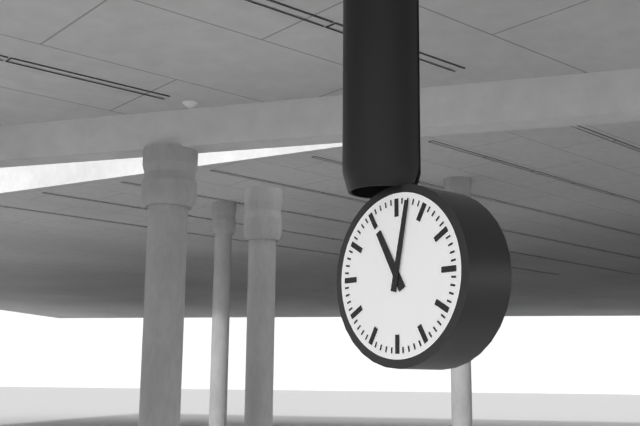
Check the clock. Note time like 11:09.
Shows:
11:02
